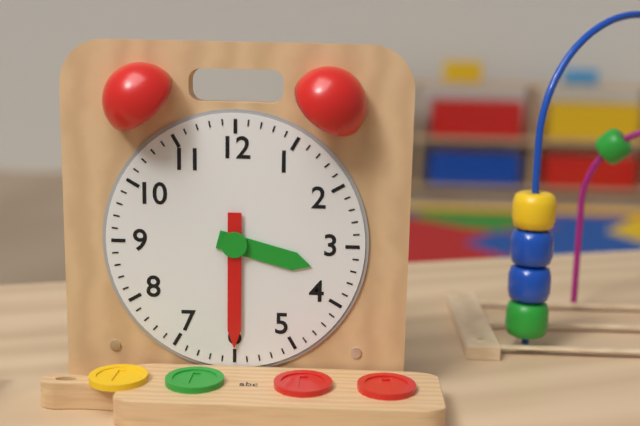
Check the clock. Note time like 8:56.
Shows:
3:30
